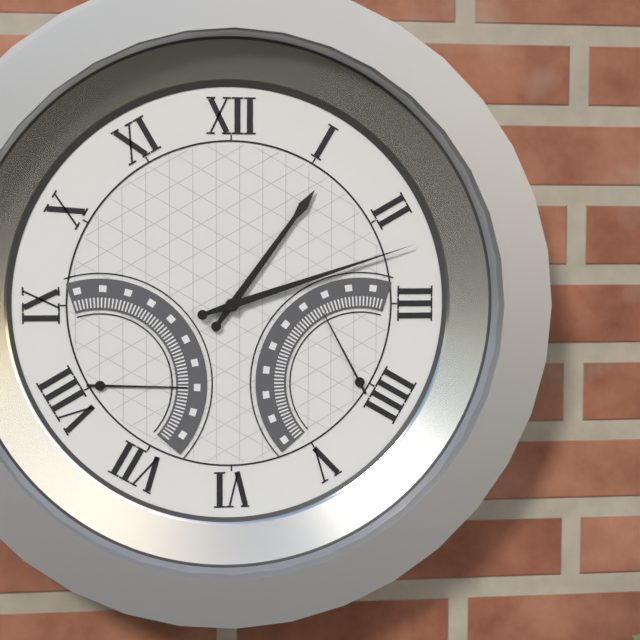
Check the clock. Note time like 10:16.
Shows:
1:12
